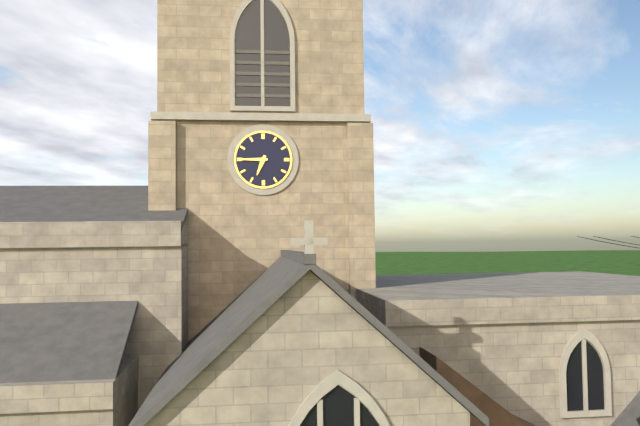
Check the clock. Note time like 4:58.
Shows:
6:45
